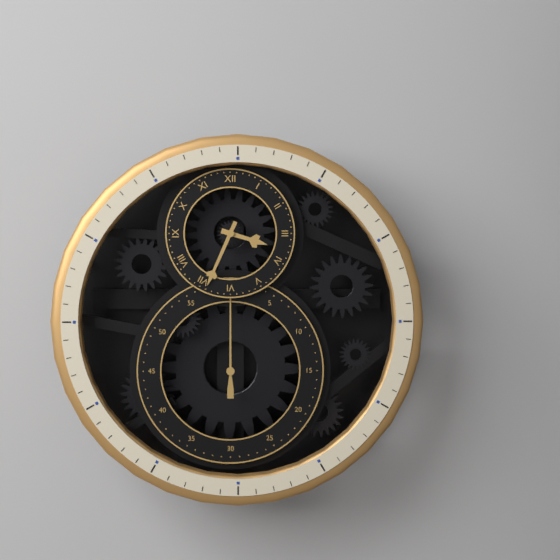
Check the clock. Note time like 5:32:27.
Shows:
3:34:00
